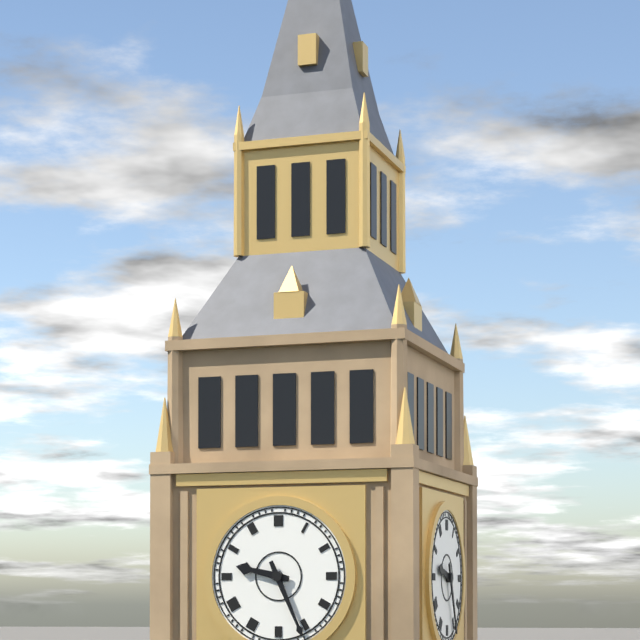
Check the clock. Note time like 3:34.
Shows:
9:26
